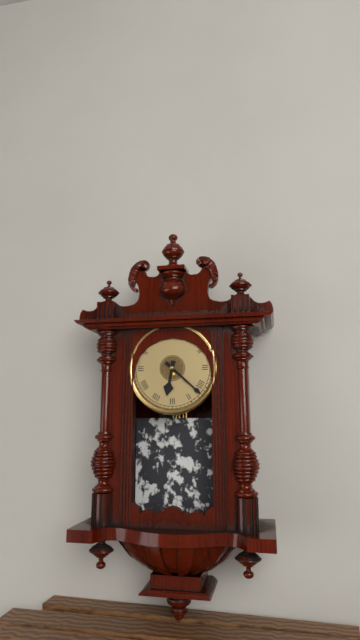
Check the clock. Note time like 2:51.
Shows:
6:22
